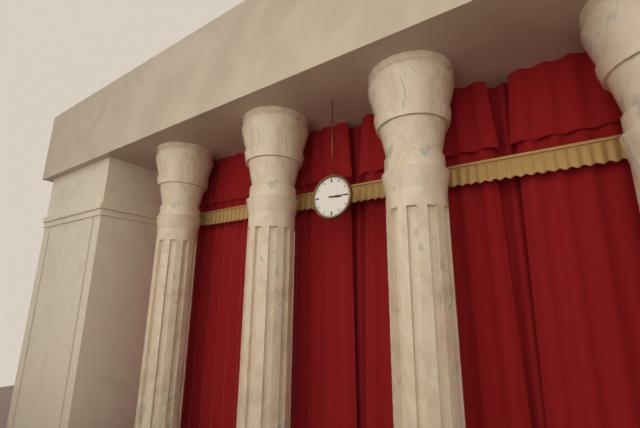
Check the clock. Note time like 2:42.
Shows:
3:15
